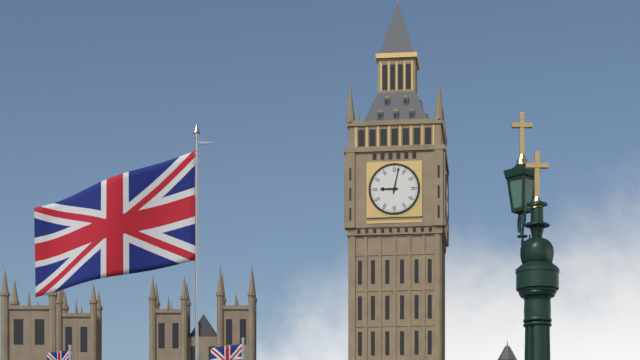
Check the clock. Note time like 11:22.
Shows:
9:02
